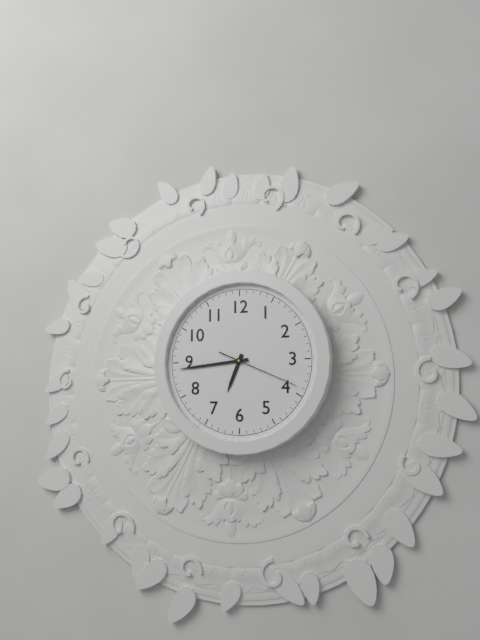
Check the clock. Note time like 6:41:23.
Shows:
6:44:19
